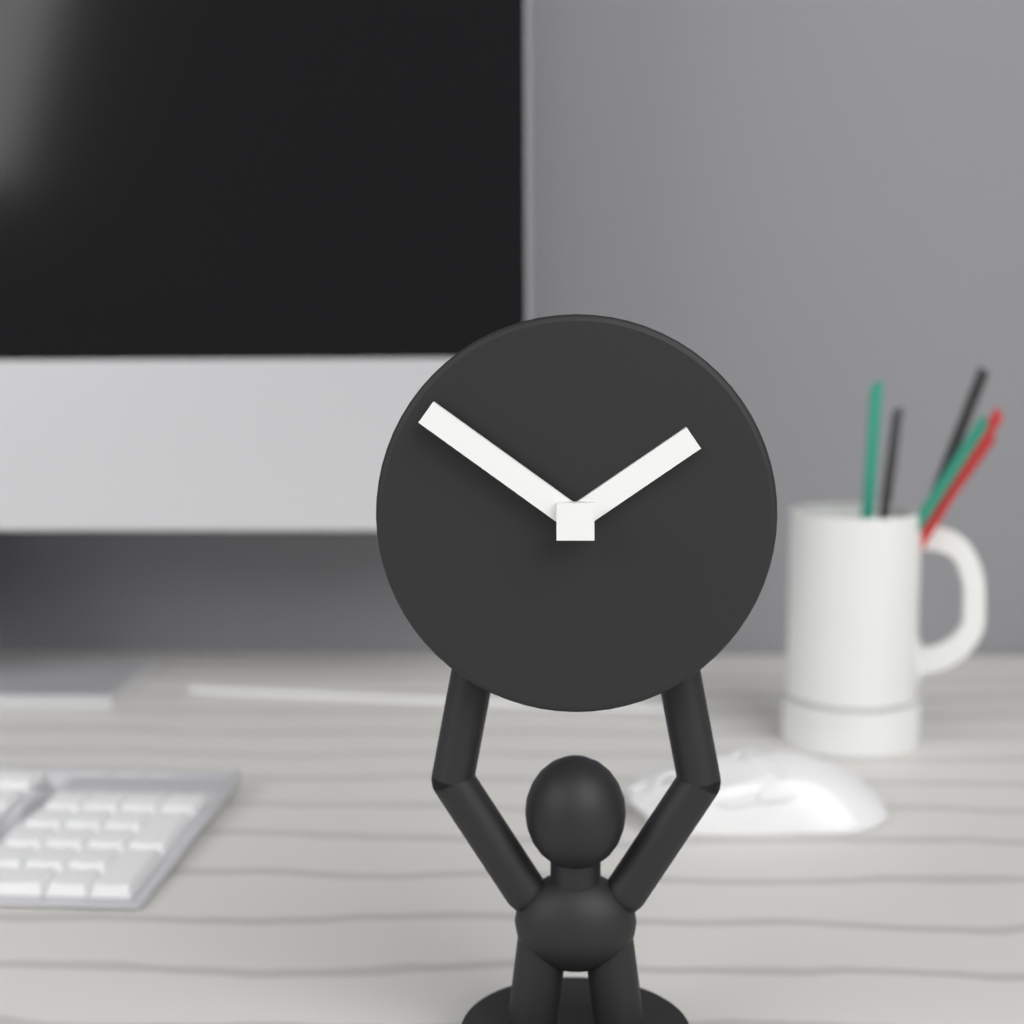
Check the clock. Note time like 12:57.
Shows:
1:51
